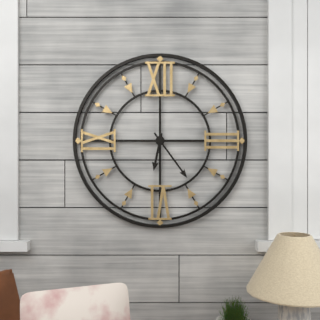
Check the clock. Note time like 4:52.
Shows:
6:24
